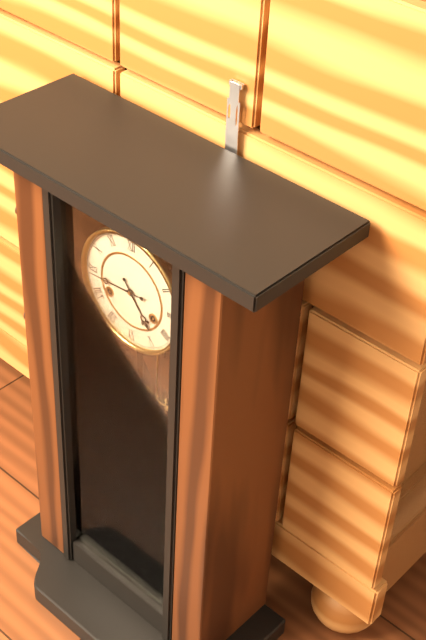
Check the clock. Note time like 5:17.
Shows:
4:44
